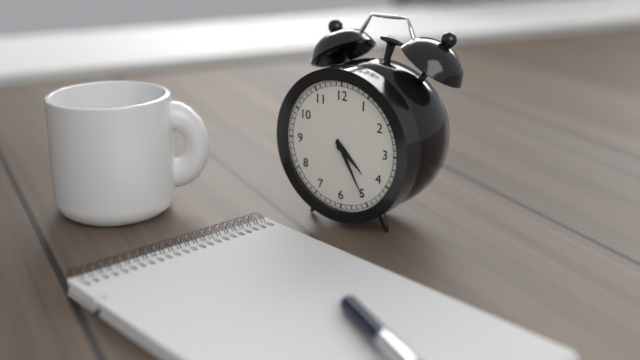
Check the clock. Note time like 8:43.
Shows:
4:25
